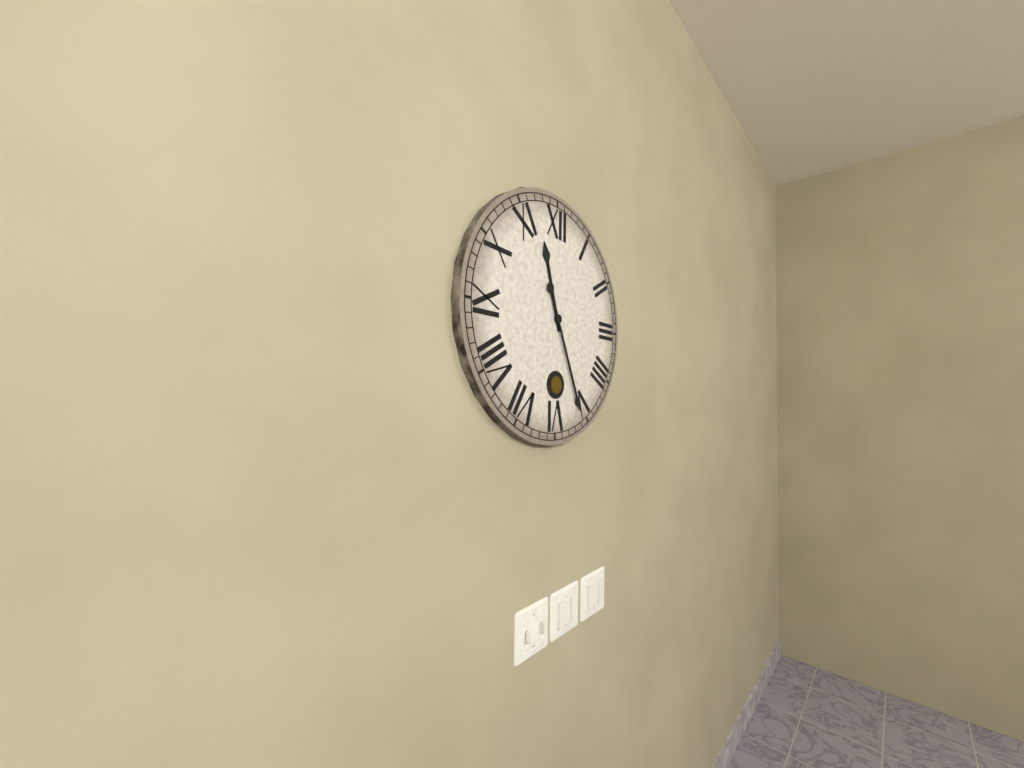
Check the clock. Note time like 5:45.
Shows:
11:26
